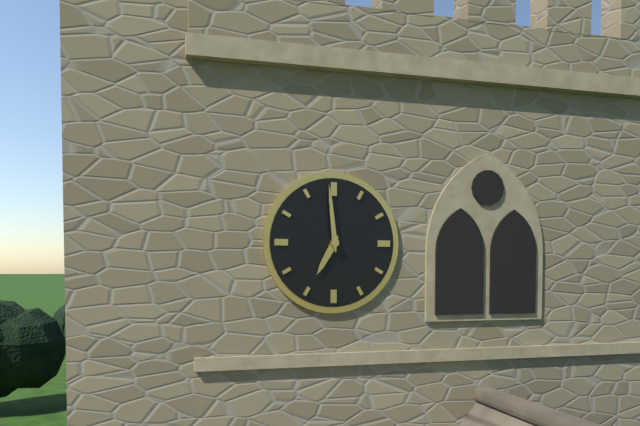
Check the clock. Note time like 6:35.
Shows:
6:59
